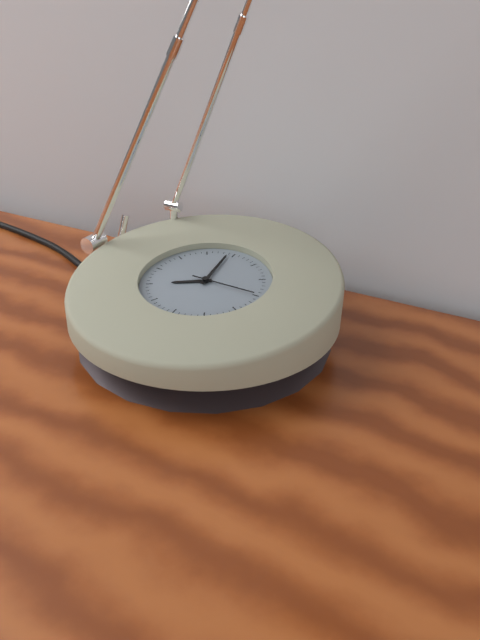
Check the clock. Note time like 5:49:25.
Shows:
7:59:15
